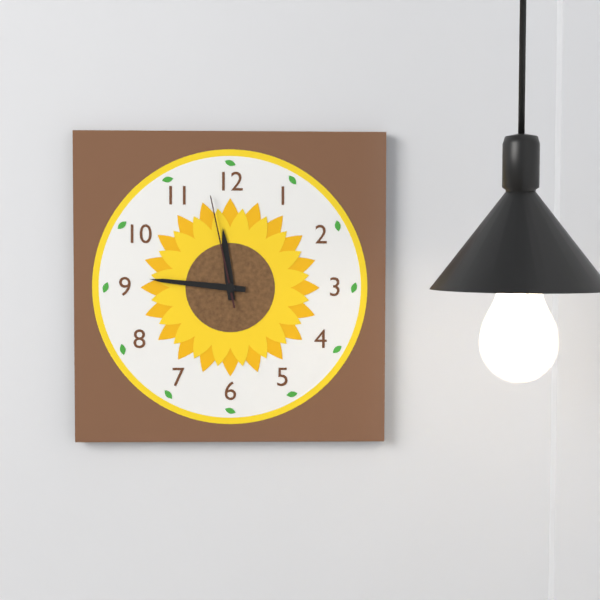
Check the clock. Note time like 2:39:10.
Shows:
11:46:58
